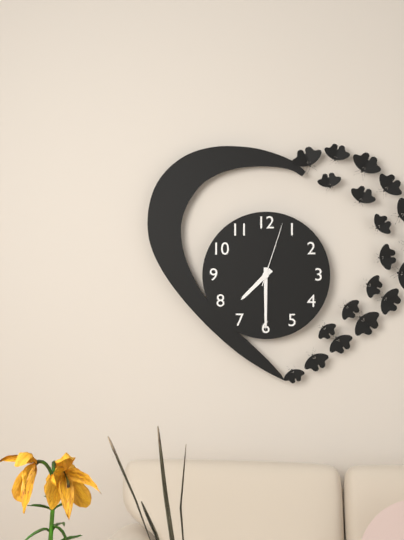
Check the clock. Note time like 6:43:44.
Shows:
7:30:03
